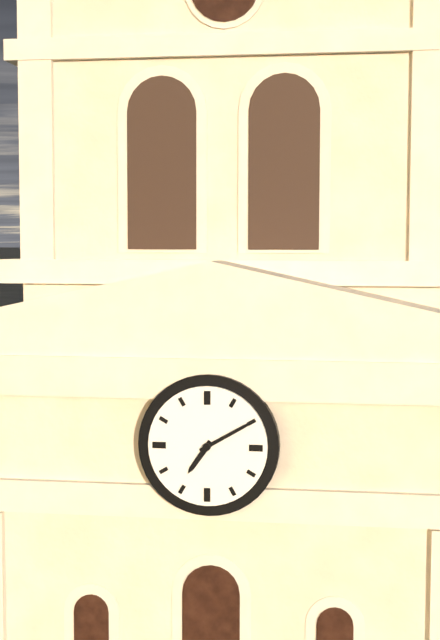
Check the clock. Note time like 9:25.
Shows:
7:10
